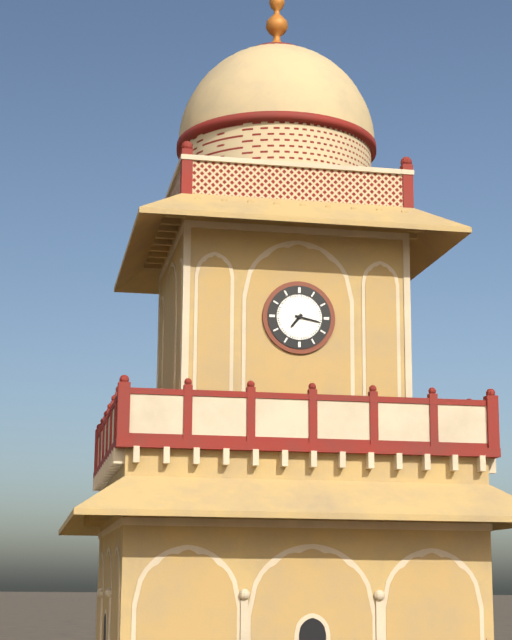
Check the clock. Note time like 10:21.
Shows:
7:17
